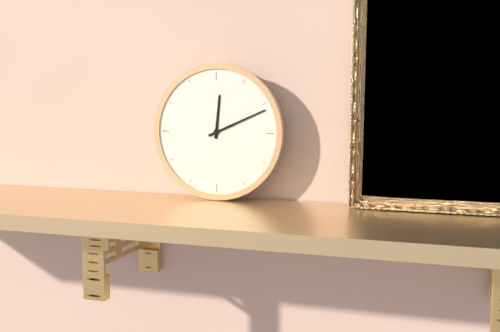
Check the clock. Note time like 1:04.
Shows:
12:11
